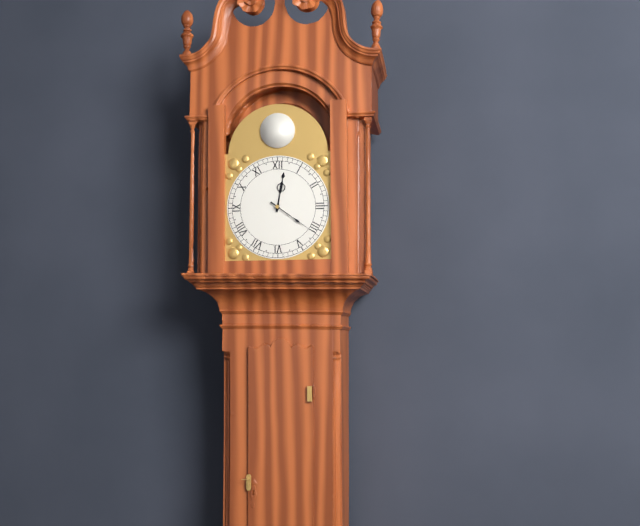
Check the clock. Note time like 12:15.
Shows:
12:21
